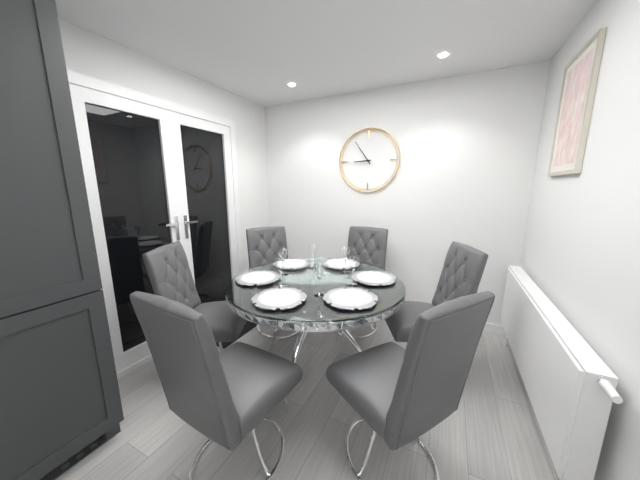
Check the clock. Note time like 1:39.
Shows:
8:54
